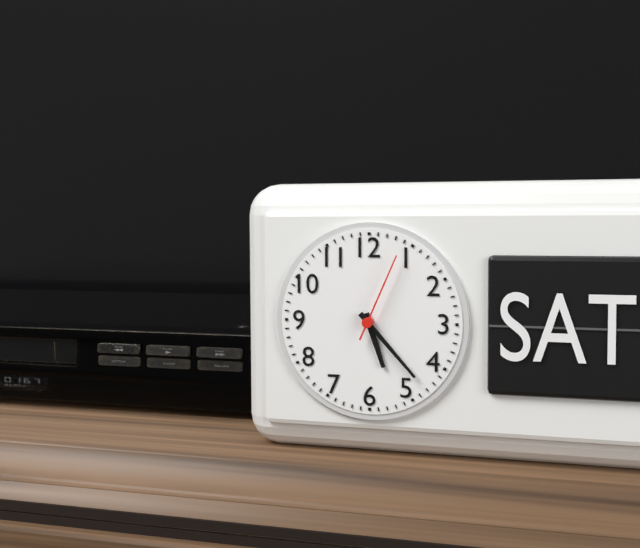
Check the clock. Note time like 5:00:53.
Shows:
5:23:04
